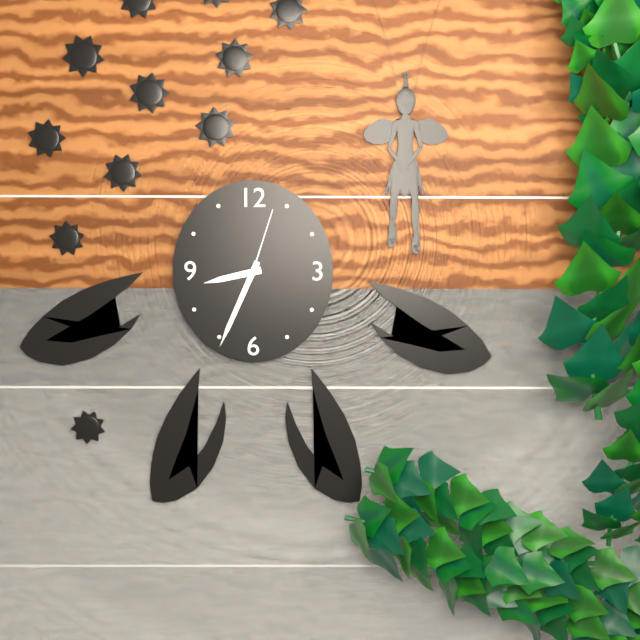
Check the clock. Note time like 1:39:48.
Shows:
8:34:03
